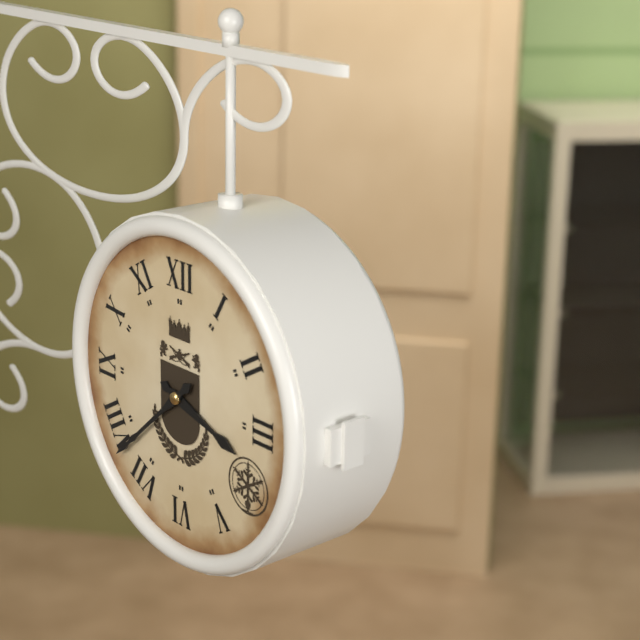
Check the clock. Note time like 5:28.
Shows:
3:38
